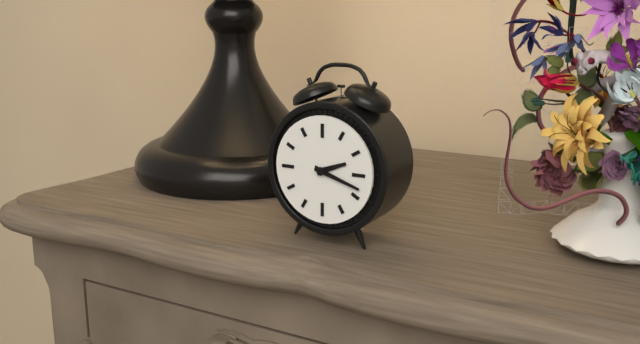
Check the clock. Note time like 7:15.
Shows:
2:18
